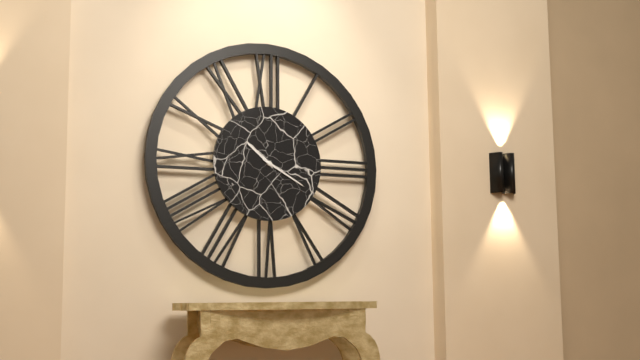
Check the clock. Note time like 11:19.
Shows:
10:20
